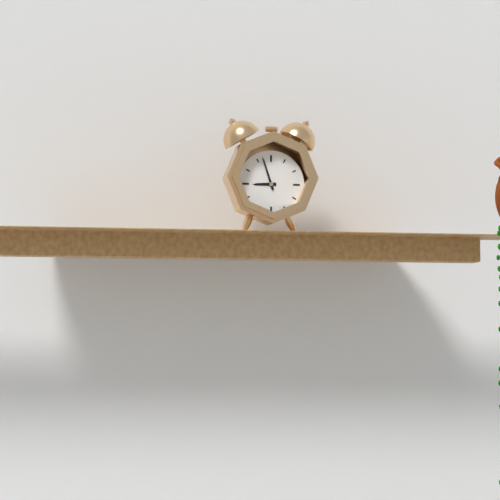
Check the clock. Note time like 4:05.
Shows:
8:57
